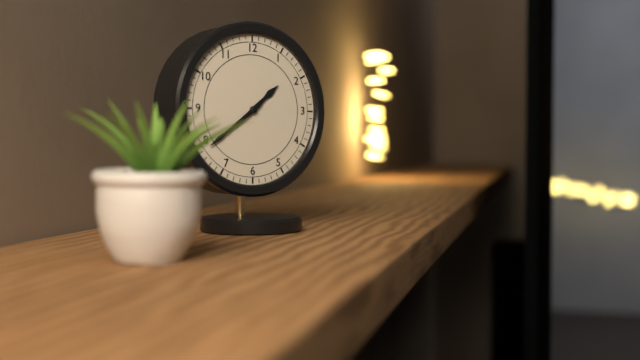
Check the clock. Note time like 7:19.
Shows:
1:39
